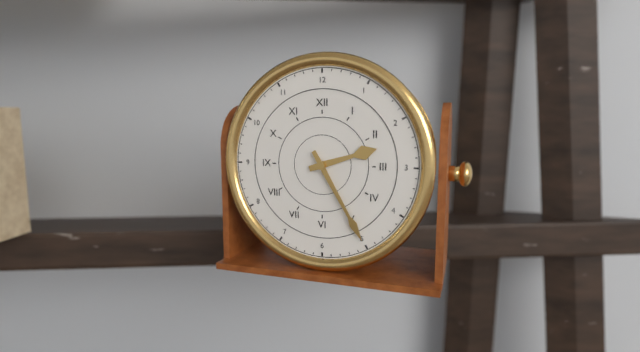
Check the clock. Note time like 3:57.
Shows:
2:25
